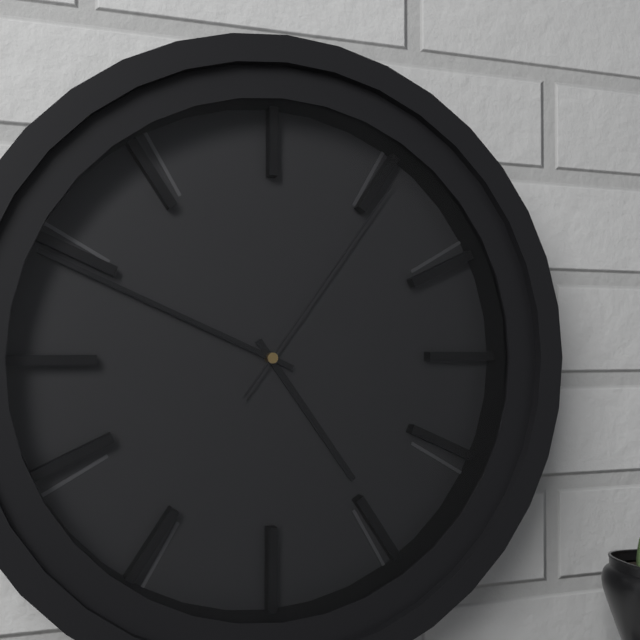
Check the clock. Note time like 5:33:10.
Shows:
4:49:06
